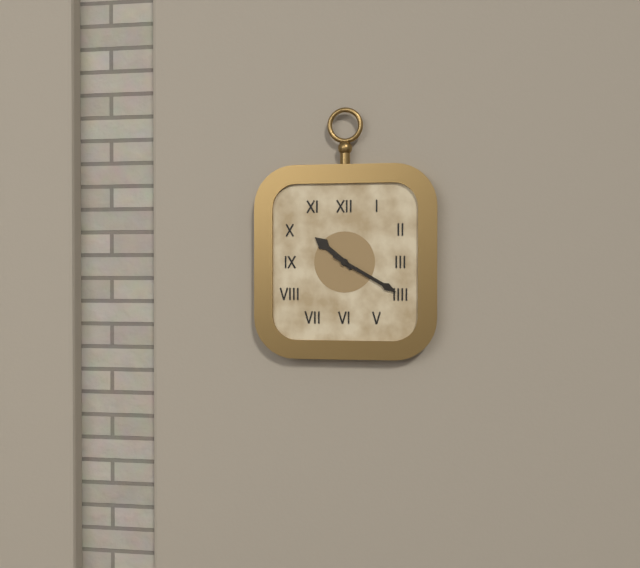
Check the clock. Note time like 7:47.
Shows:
10:20
